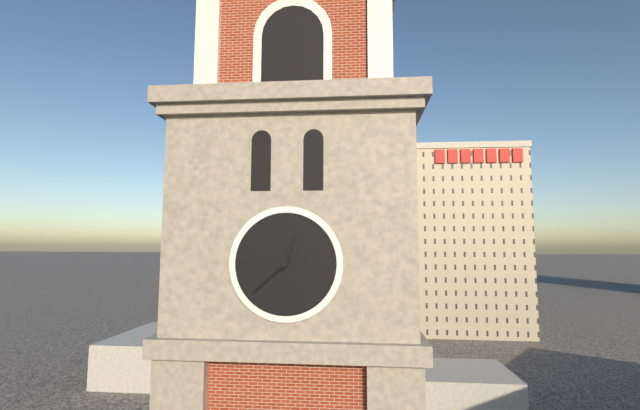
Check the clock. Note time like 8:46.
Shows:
12:38
